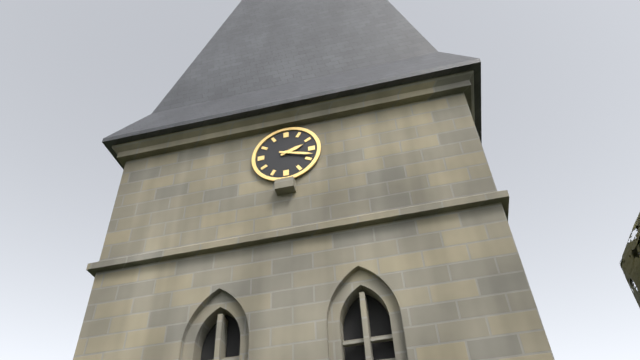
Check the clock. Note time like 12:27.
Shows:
2:18
